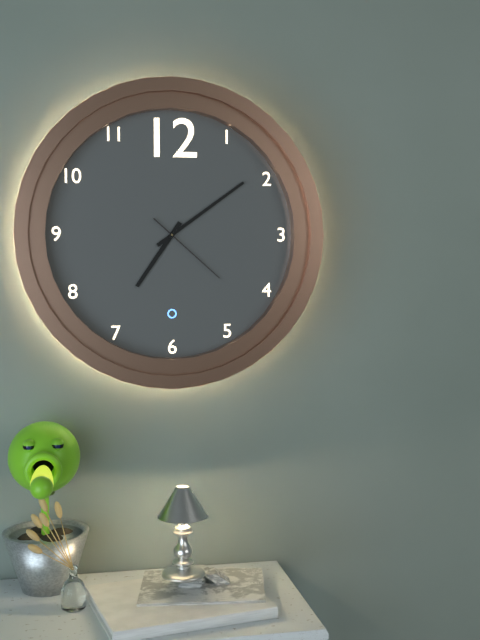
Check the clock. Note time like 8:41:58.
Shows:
7:09:22
